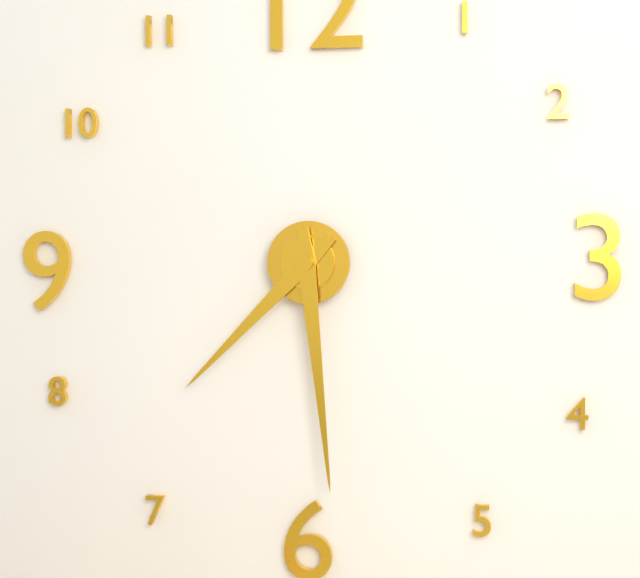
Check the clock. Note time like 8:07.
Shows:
7:29
